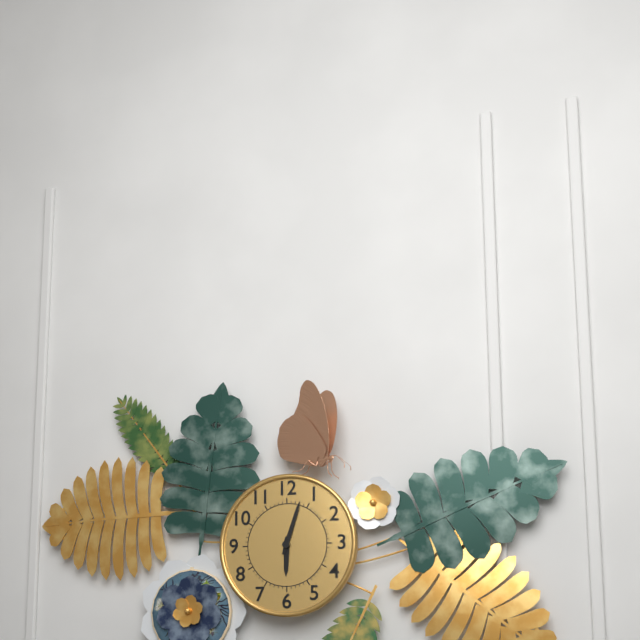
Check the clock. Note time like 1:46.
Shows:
6:03
